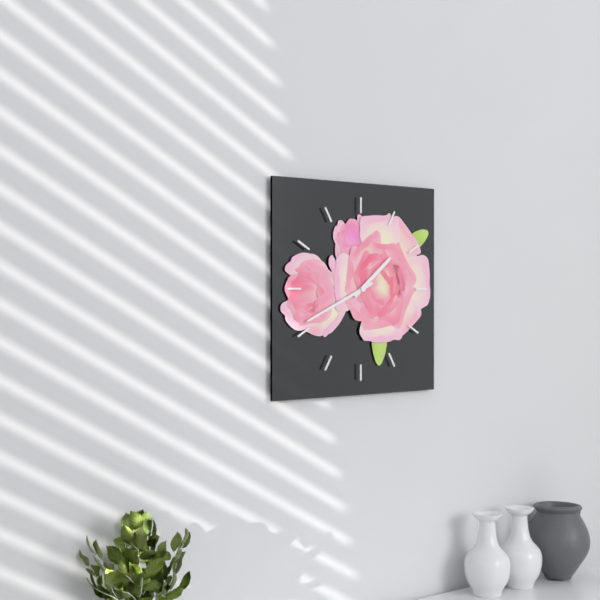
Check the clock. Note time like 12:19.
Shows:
1:41
